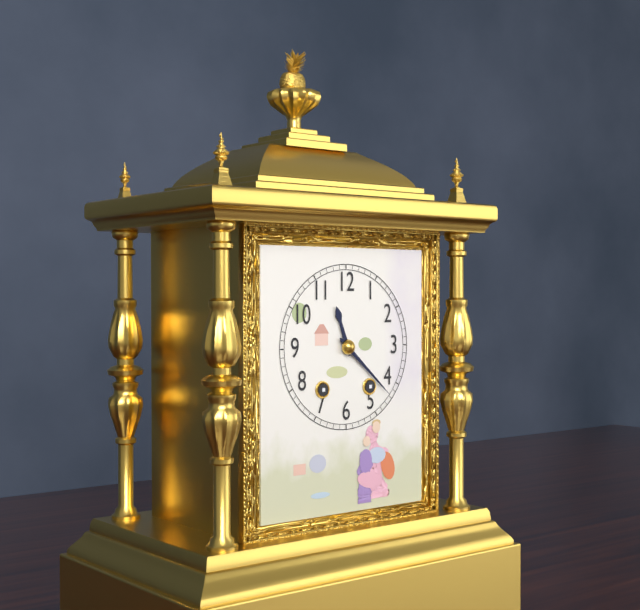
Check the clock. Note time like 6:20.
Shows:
11:22
